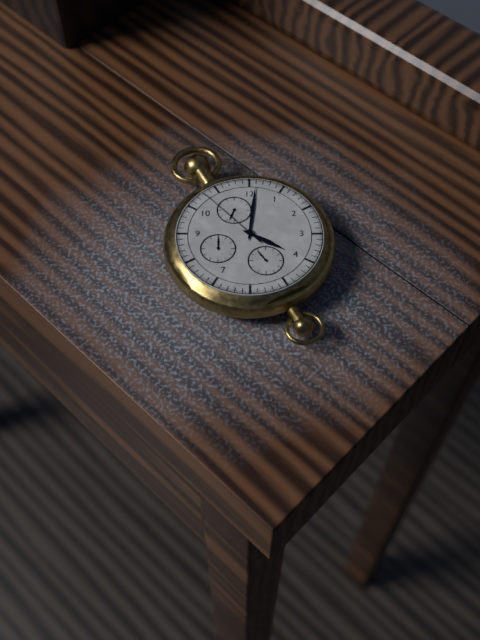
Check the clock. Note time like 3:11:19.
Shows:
4:01:53
